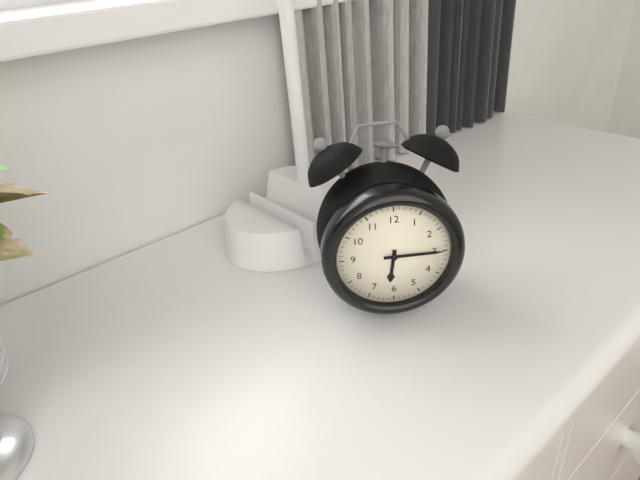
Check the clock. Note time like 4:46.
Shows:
6:15
